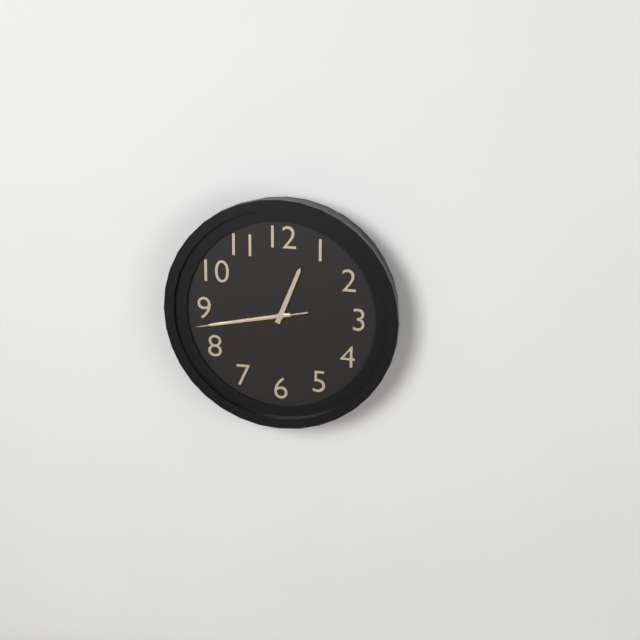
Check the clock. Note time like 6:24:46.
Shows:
12:43:43
